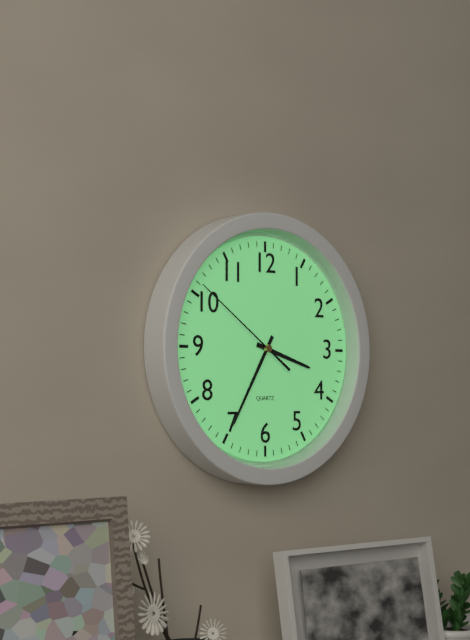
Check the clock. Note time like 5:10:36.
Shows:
3:35:51
